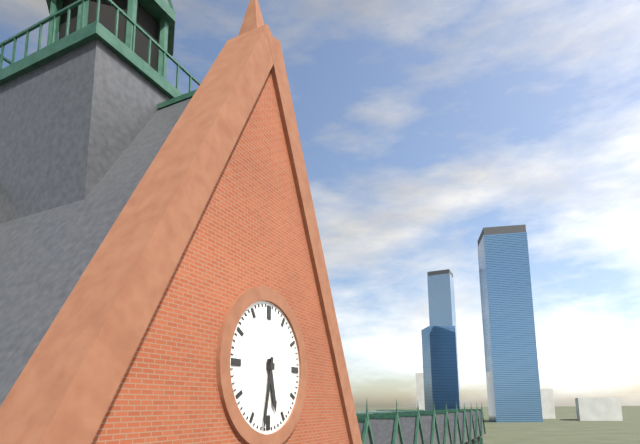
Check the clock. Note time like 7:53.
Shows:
5:32
